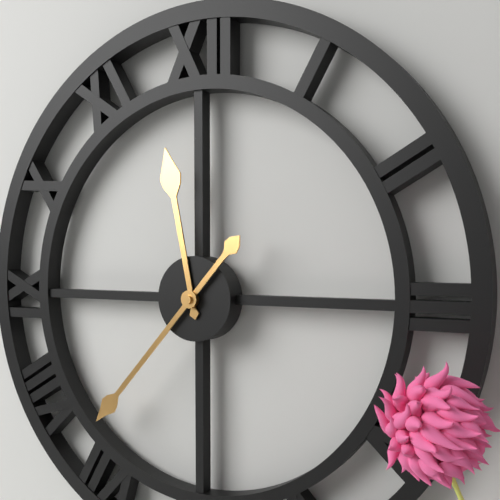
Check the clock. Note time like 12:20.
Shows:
11:37
